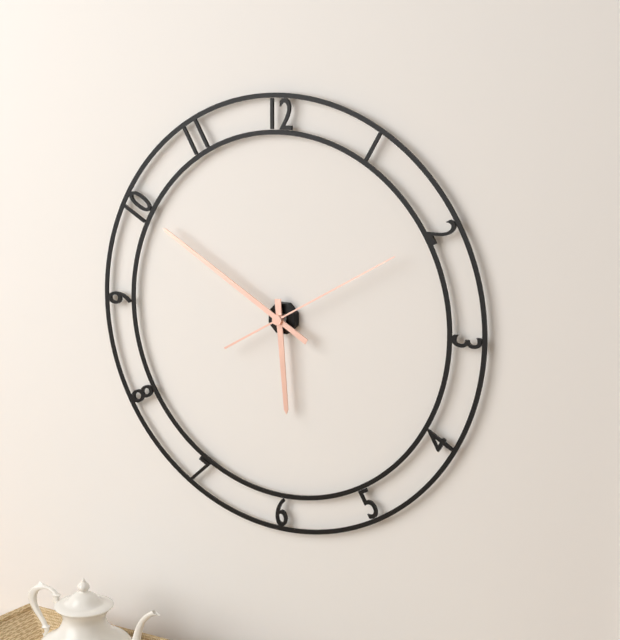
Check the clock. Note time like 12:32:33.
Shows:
5:50:10
